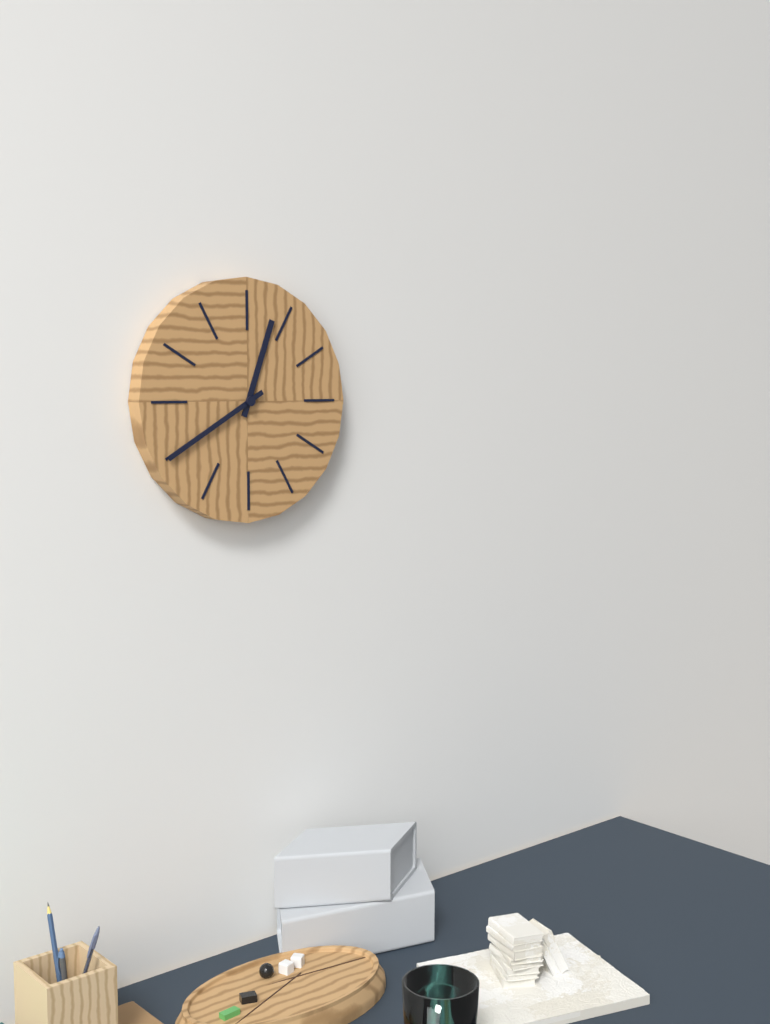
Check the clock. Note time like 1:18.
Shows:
12:40
